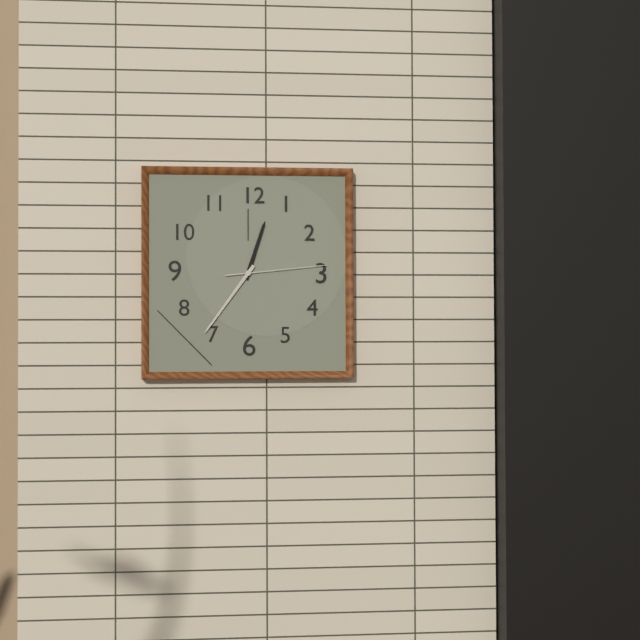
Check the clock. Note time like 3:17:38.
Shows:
12:36:14
